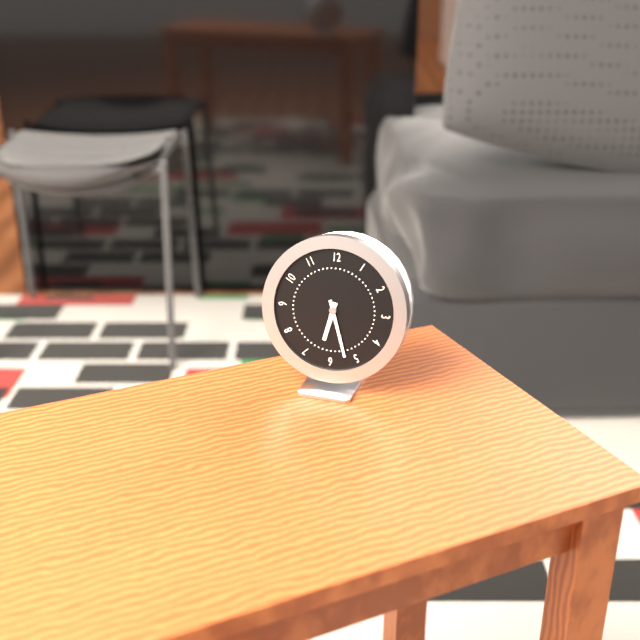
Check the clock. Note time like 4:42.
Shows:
6:27
